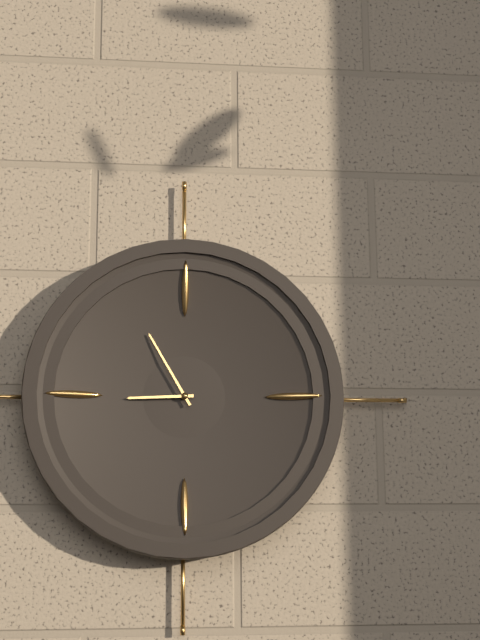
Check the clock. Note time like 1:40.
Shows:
8:55
